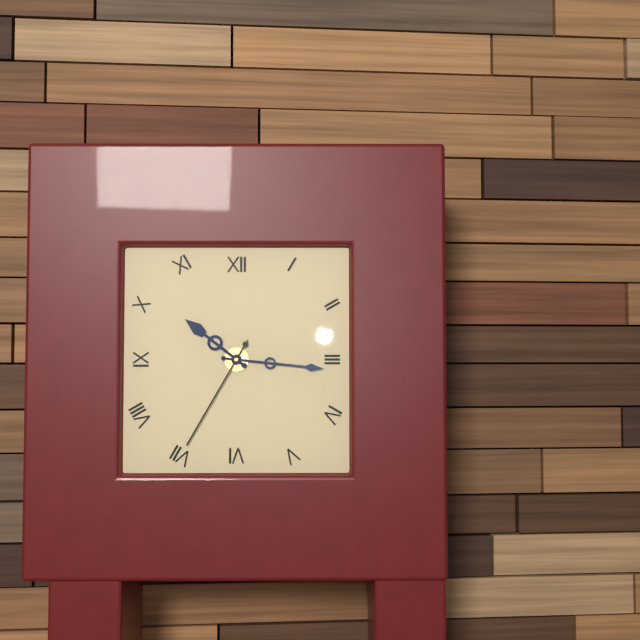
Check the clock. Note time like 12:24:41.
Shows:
10:16:35
